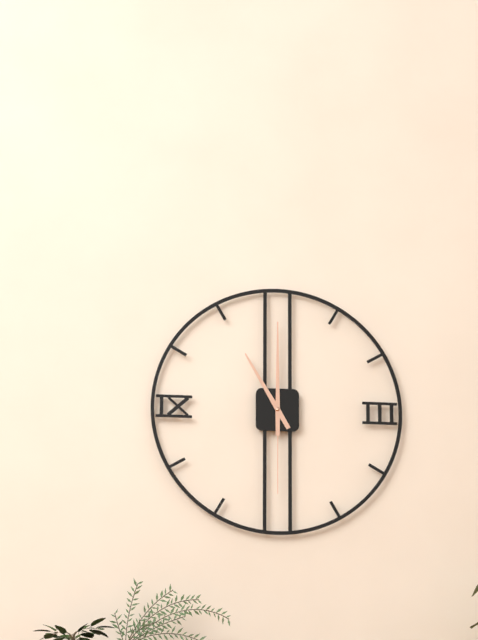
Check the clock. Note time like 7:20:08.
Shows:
11:00:30
